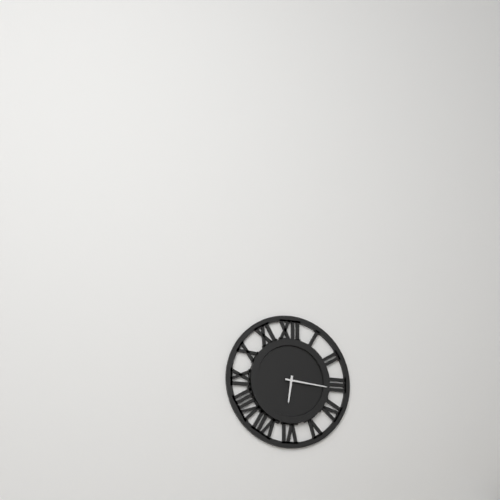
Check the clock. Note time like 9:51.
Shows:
6:16
